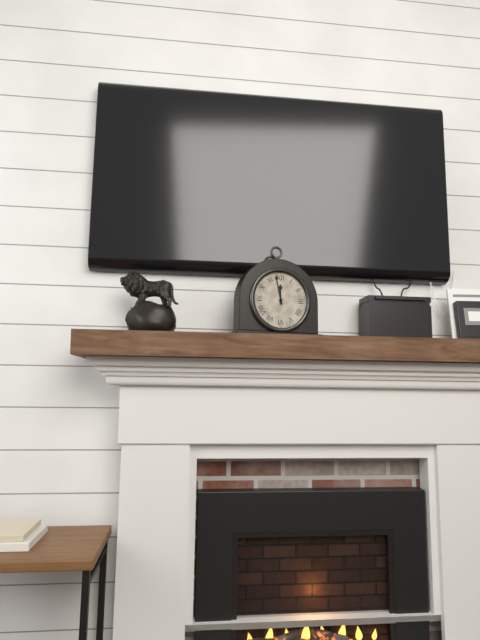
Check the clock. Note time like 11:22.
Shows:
11:58
